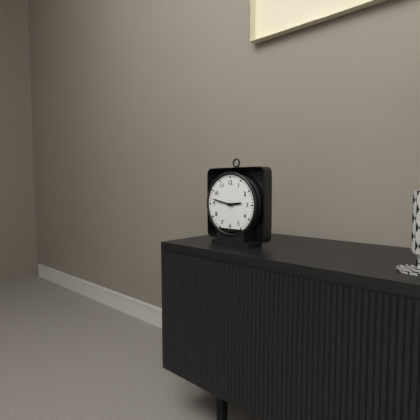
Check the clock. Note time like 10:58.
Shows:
2:47
